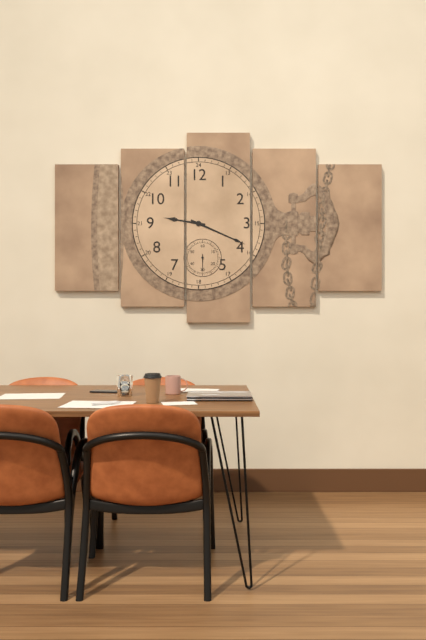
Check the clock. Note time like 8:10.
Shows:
9:19
